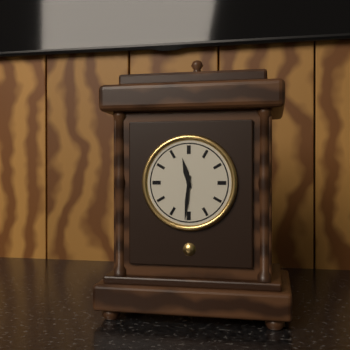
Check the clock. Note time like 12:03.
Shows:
11:31
